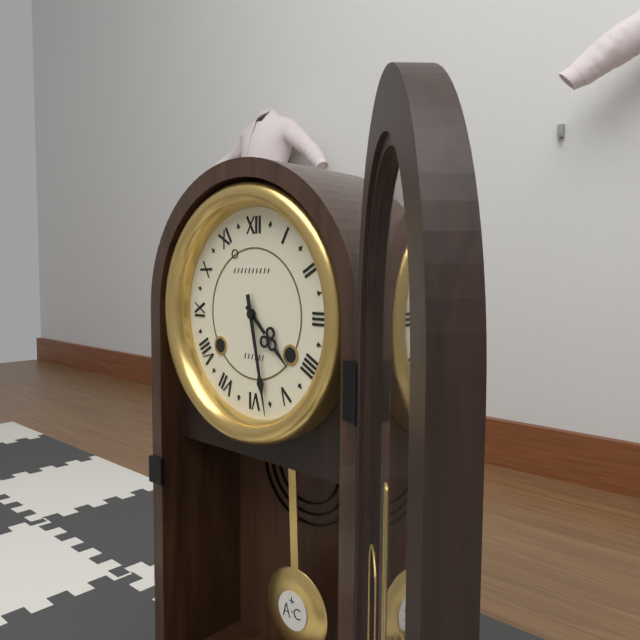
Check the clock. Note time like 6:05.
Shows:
4:28
